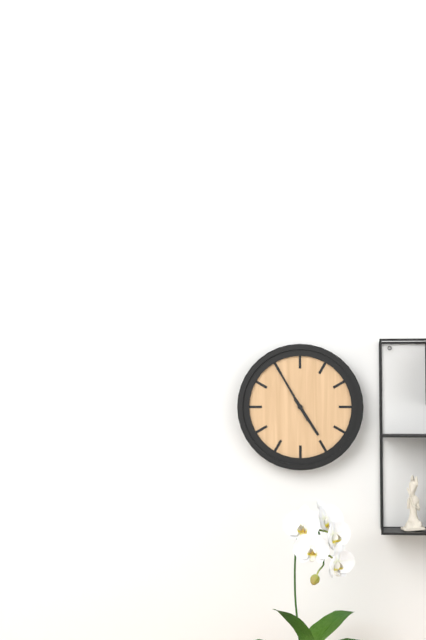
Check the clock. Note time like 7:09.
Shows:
4:55
